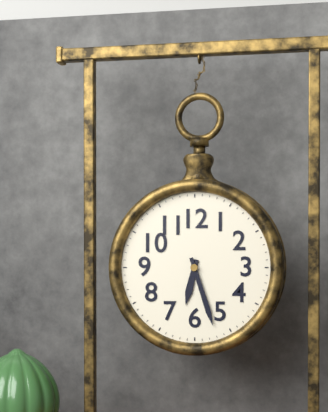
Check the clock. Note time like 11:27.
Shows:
6:27
